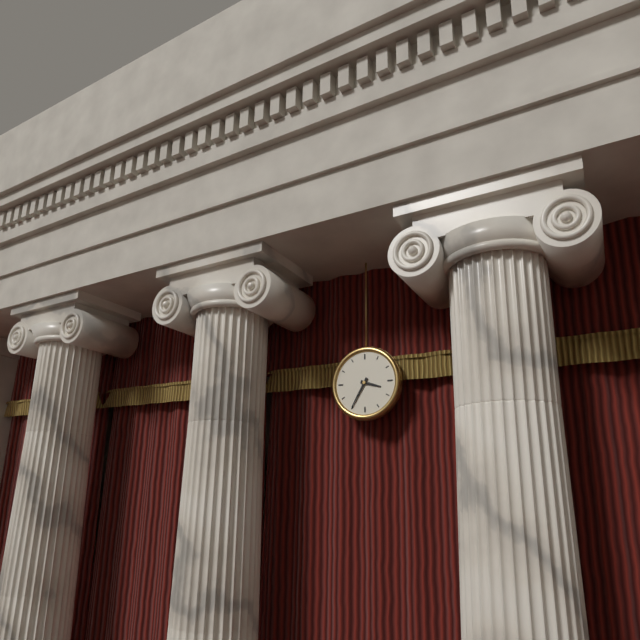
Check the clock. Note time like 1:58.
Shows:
3:35
